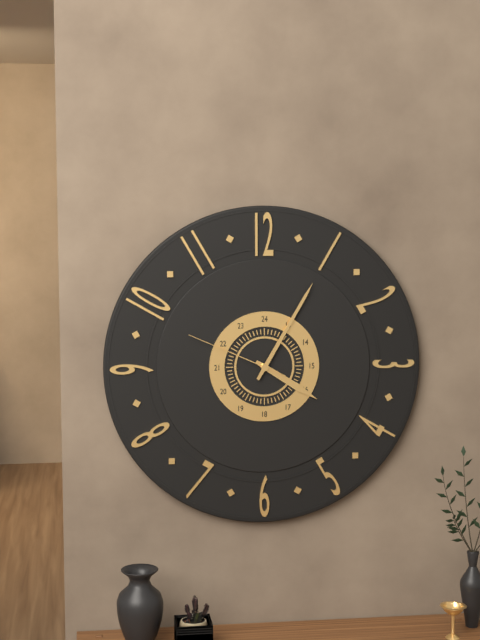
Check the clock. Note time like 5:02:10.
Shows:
4:05:49
